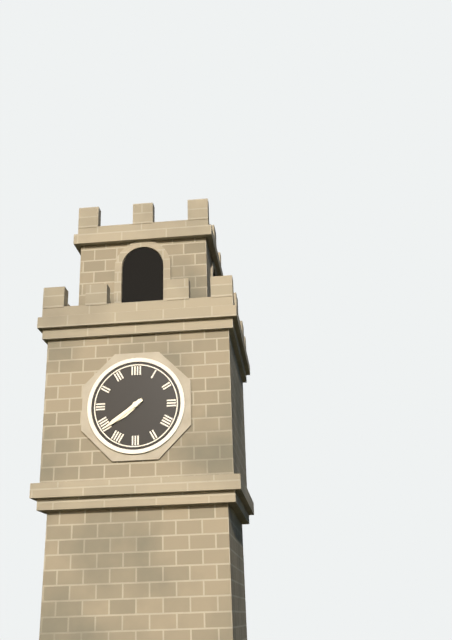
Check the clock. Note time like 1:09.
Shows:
7:39
